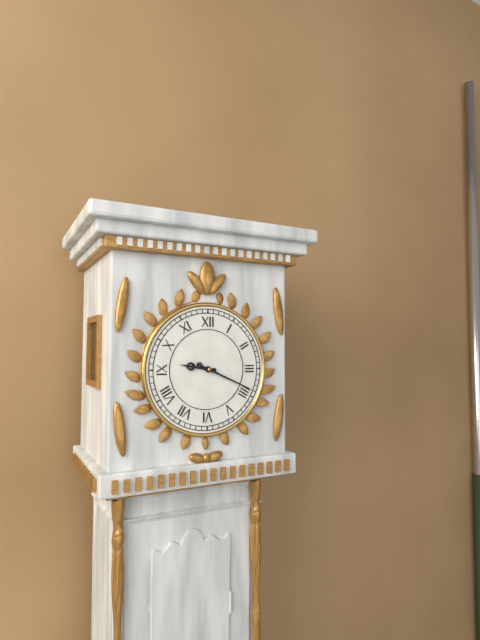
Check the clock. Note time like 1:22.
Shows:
9:19
